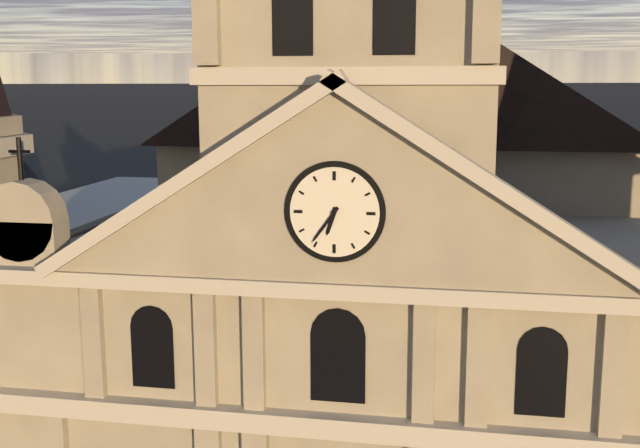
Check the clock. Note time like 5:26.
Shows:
6:36
